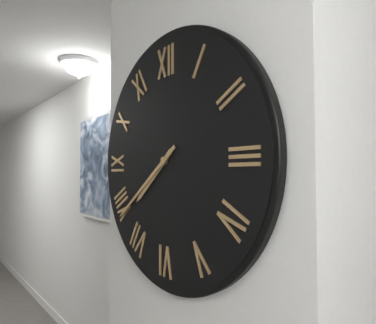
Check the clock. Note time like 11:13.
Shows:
7:39
